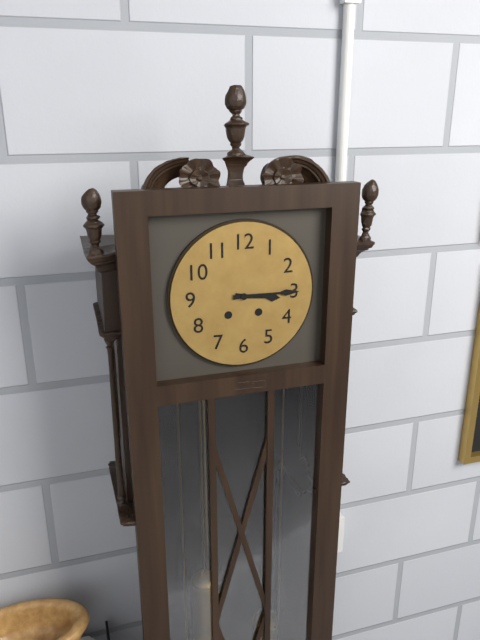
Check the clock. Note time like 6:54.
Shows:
3:15
